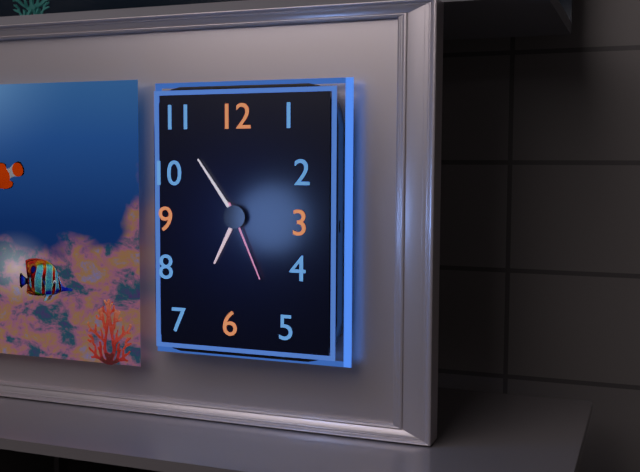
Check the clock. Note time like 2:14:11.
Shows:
6:54:26
